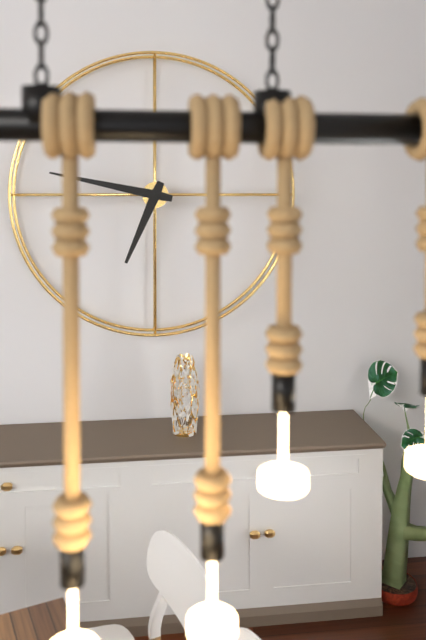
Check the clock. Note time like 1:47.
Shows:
6:47
